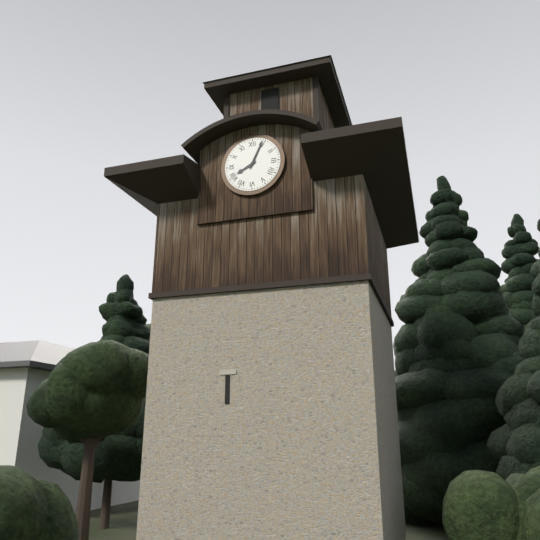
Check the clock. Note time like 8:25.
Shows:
8:04
